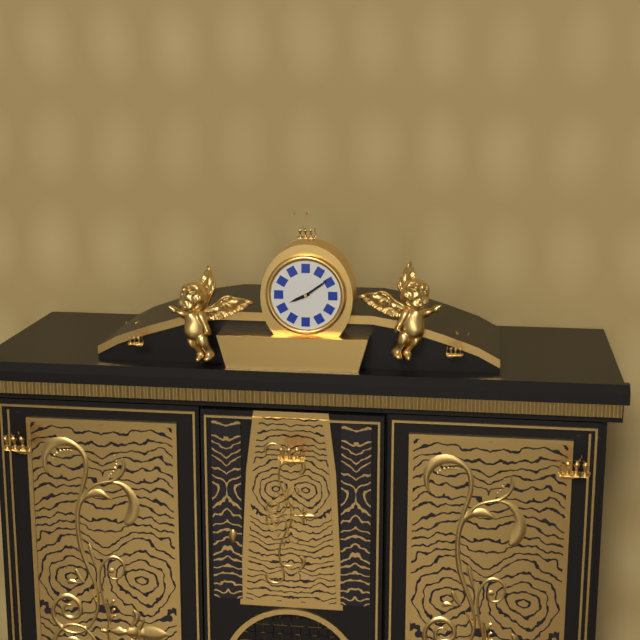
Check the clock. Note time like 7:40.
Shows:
8:09
